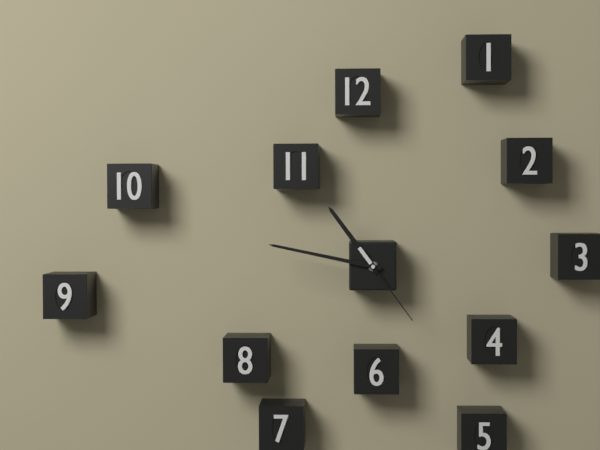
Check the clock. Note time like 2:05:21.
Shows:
10:47:24
